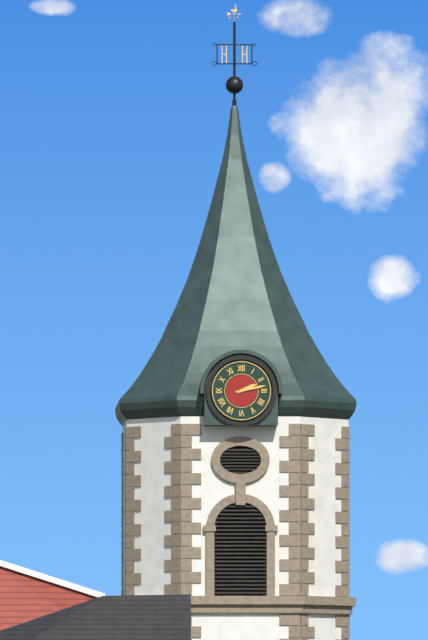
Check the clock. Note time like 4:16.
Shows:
2:13
